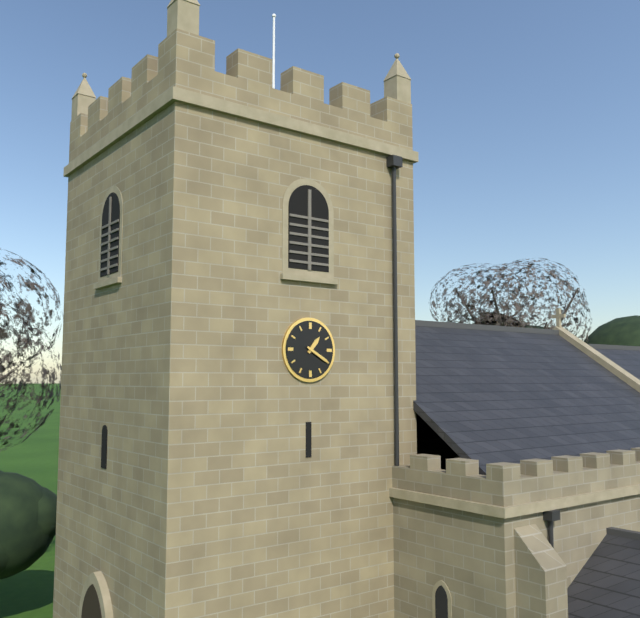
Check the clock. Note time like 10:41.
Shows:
1:20
